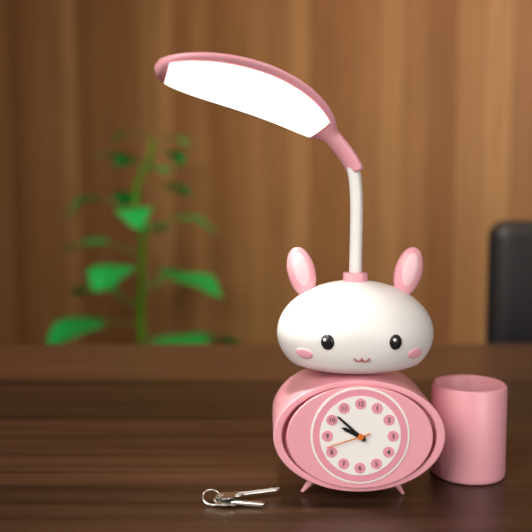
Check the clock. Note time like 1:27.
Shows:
9:52
